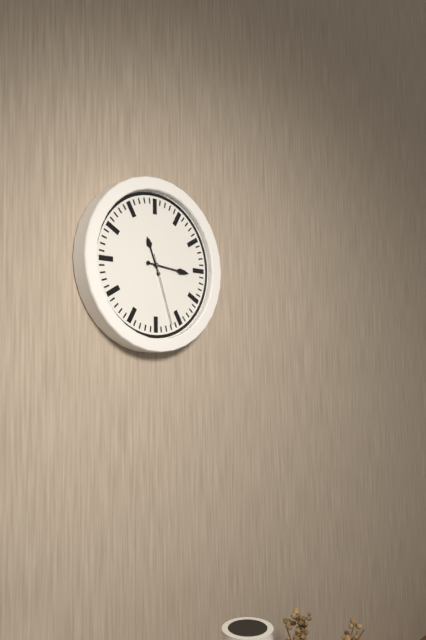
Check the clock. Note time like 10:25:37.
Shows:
11:16:27
